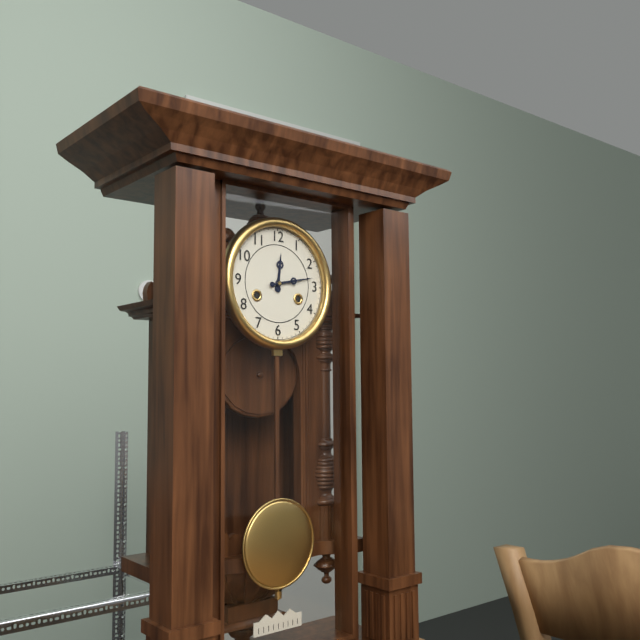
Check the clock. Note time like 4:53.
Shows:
12:13
